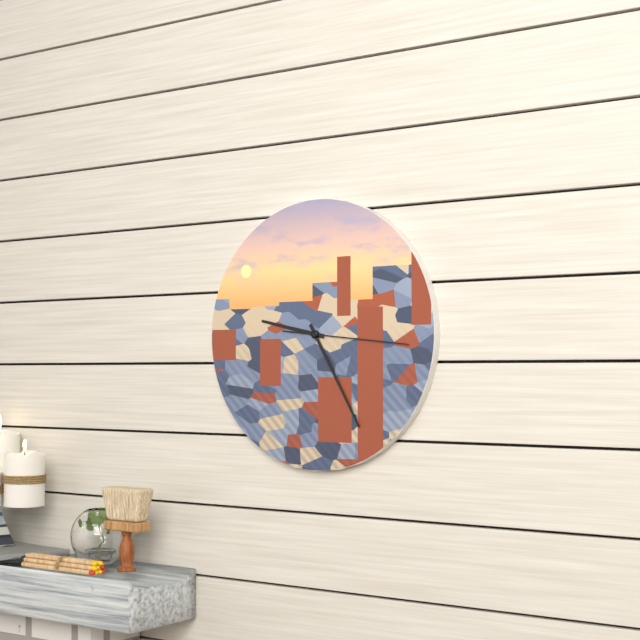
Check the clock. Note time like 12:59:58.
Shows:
9:25:16
